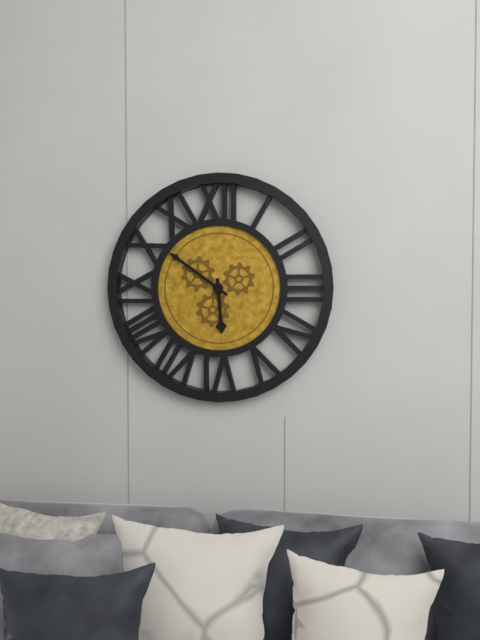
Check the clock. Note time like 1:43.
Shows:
5:51
